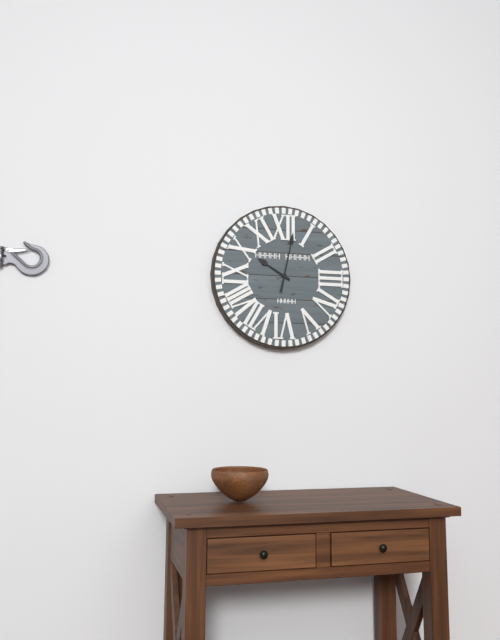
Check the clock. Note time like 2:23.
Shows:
10:02
